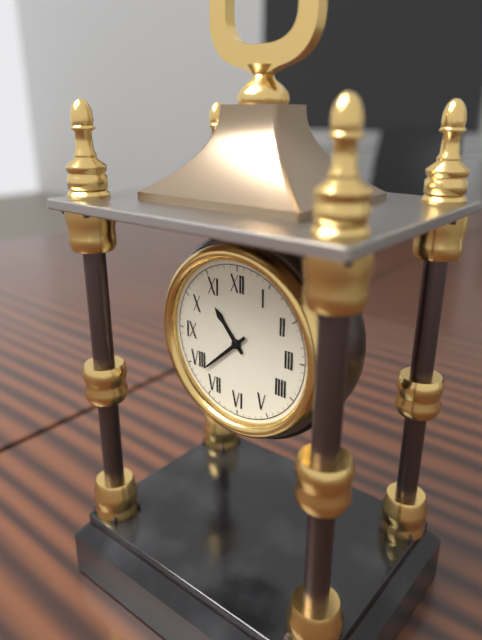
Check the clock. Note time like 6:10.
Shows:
10:38
